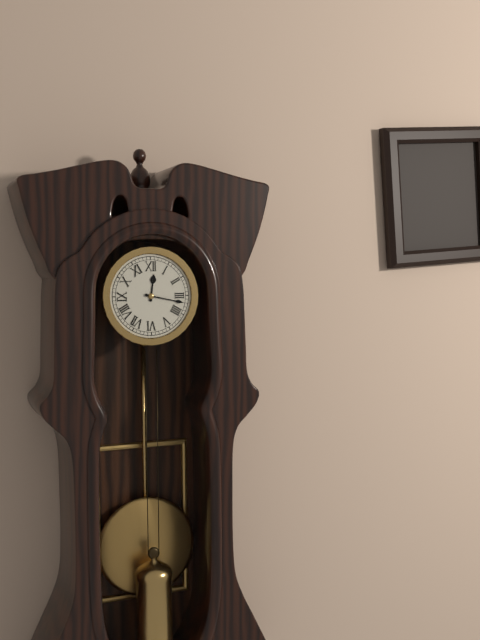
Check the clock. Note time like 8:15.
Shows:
12:17
